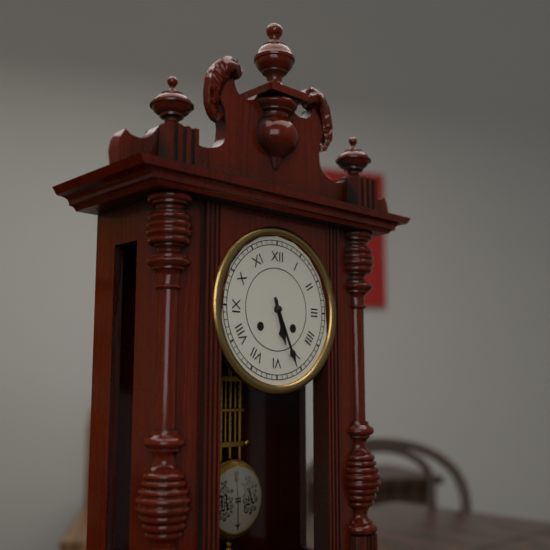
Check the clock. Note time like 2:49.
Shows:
5:26
